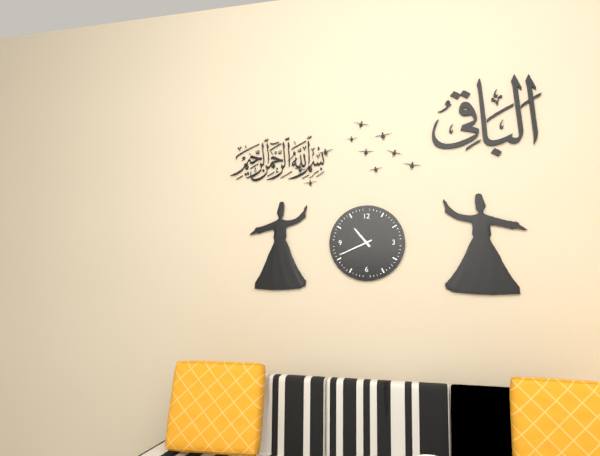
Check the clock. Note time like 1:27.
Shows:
10:41
